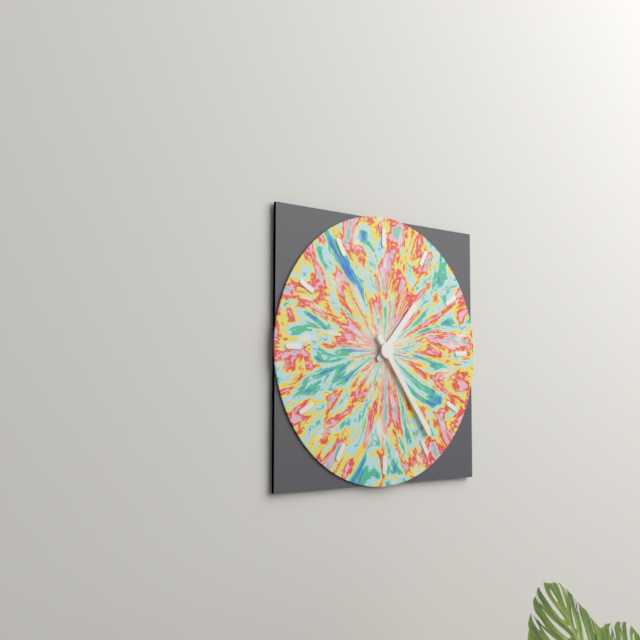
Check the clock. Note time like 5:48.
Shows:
1:24
